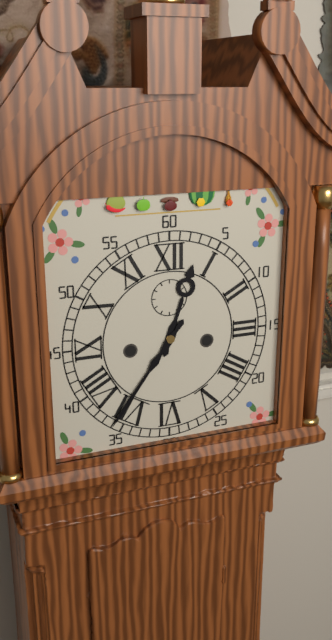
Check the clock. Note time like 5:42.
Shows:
12:36
